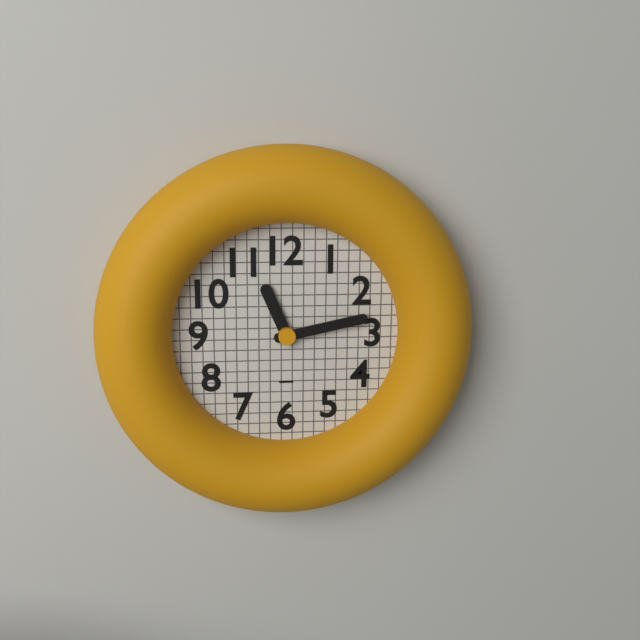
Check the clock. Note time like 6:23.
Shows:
11:13
